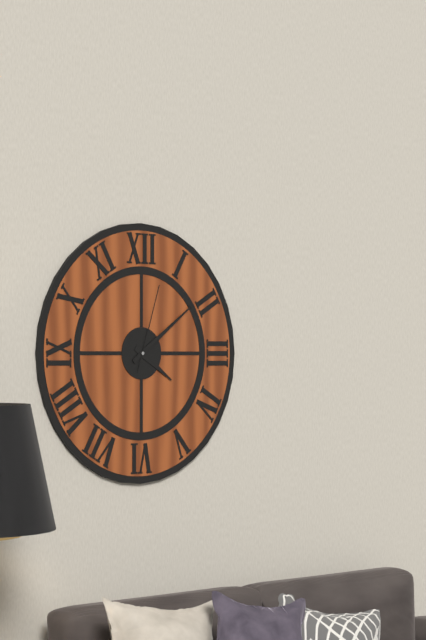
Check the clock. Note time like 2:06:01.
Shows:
4:09:03
